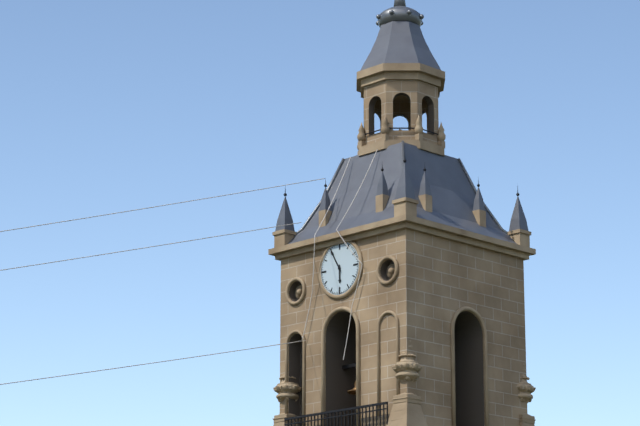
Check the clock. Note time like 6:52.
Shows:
5:55
